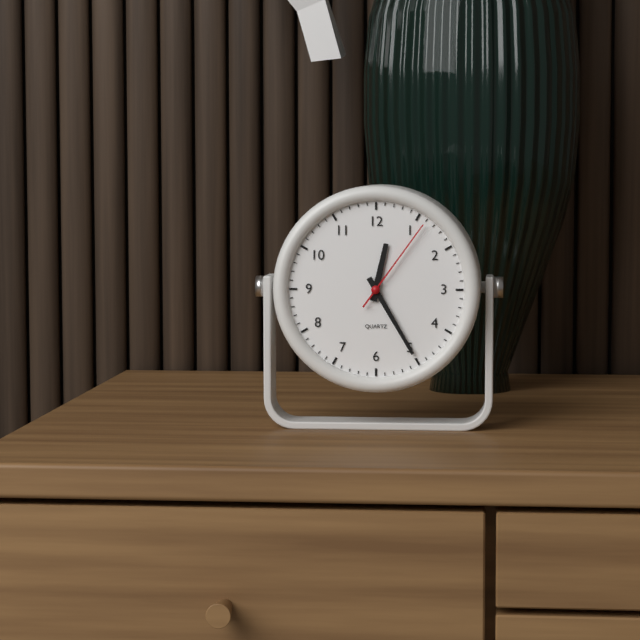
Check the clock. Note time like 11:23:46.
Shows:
12:25:06
